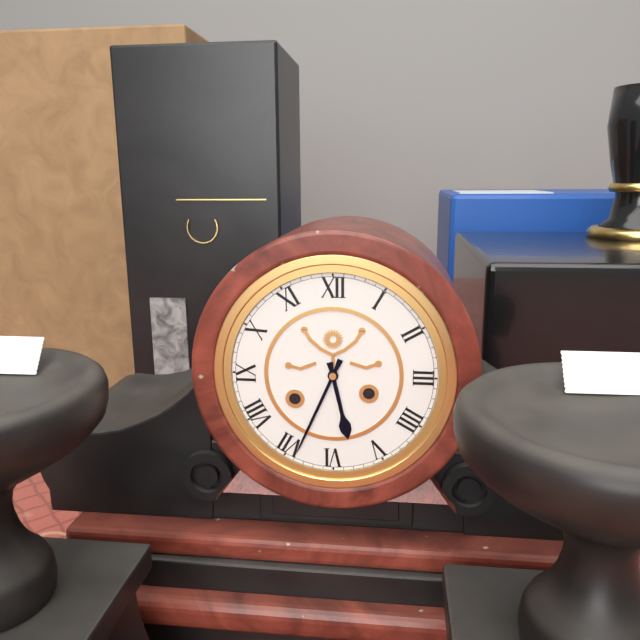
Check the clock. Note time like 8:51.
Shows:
5:34
